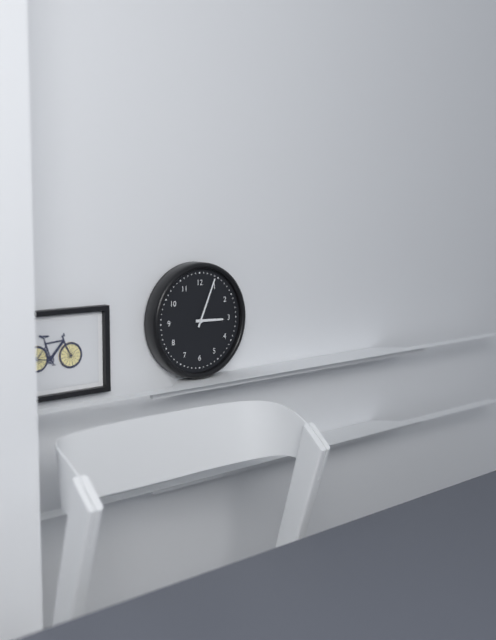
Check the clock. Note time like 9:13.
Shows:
3:04
